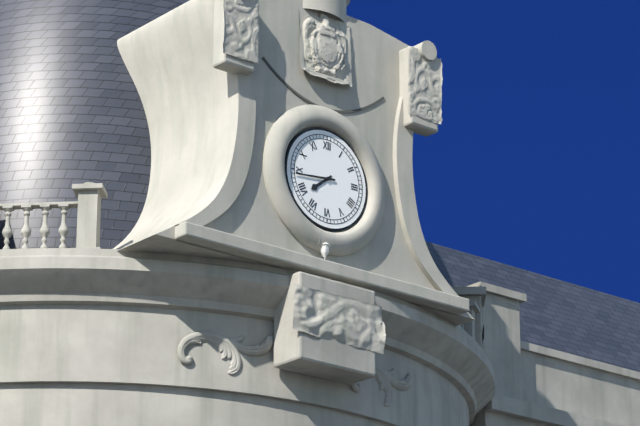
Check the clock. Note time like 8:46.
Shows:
7:44
